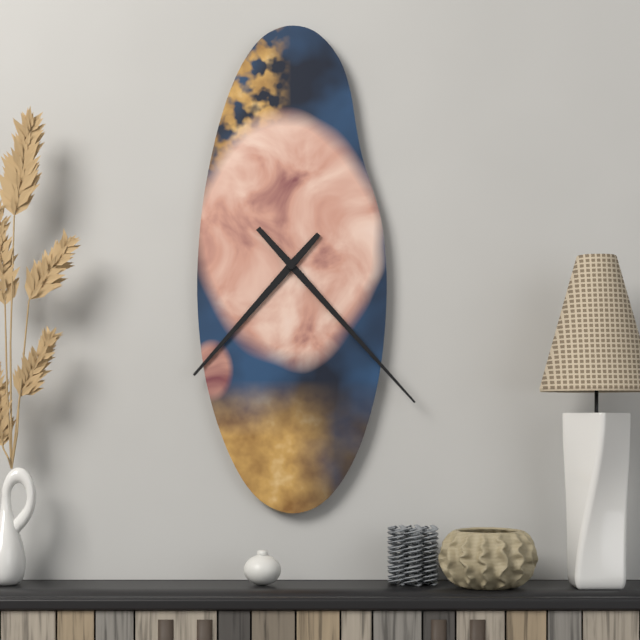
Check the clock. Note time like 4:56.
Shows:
7:23
